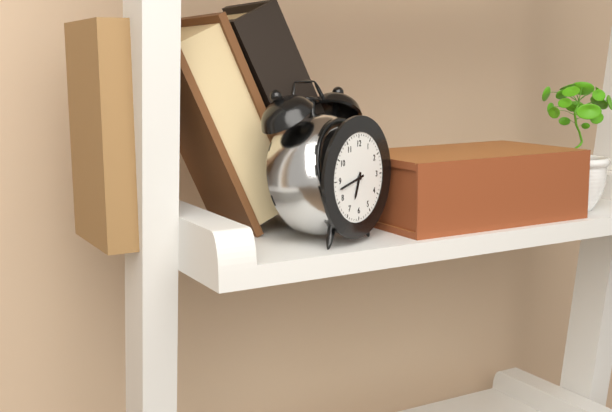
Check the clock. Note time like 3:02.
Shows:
6:43
